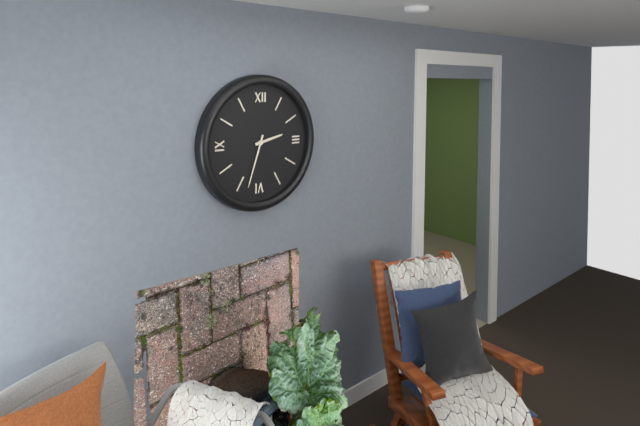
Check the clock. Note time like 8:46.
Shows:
2:33
